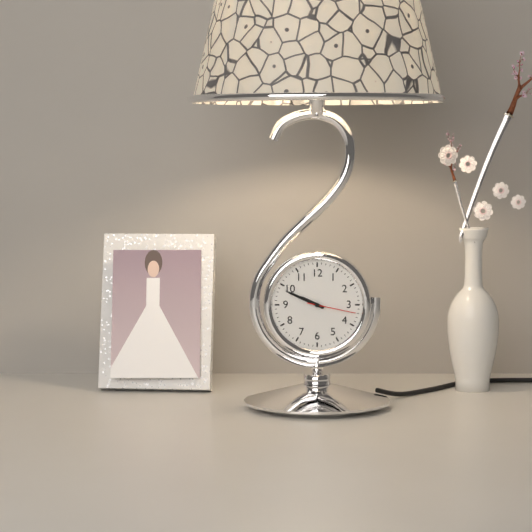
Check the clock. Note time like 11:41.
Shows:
9:49
